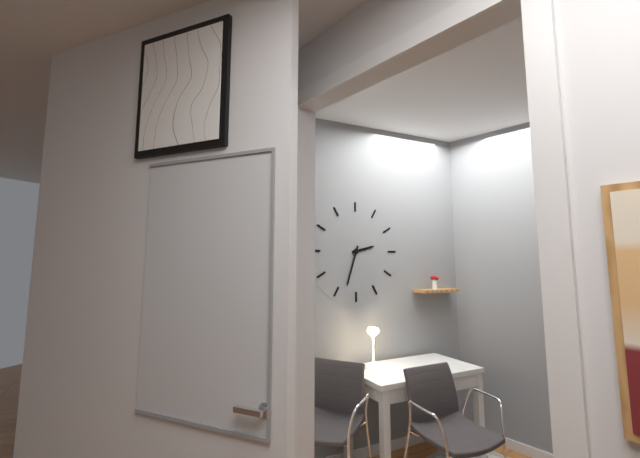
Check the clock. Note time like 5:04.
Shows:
2:33
